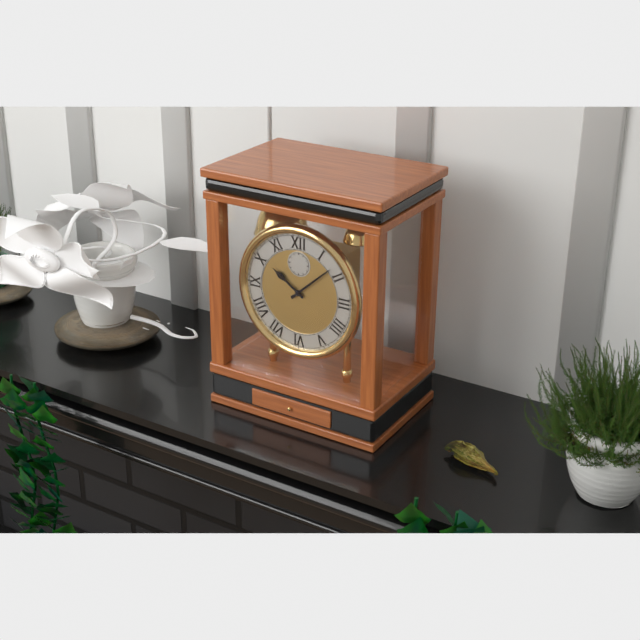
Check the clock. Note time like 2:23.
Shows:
10:08
